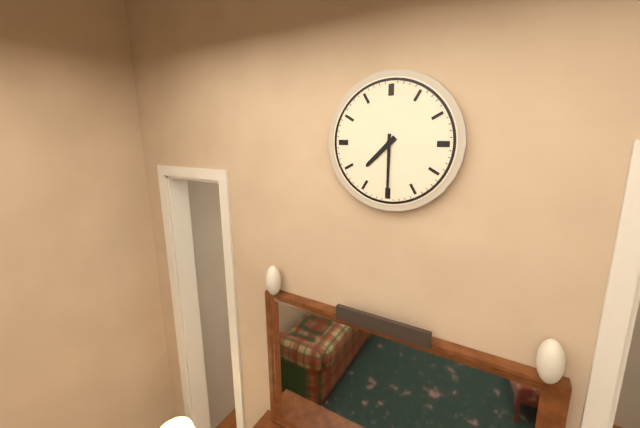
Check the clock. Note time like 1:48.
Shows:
7:30
